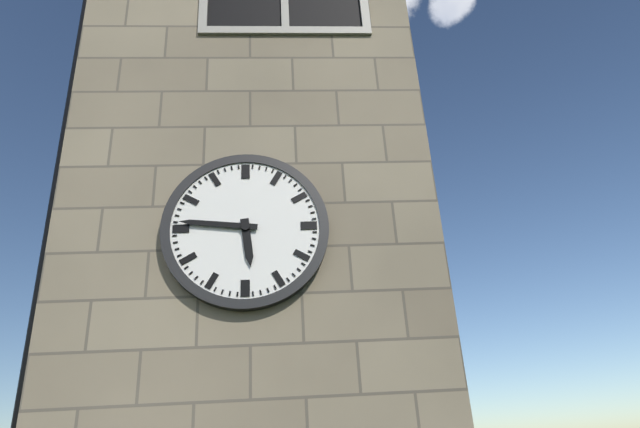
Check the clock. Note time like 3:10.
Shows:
5:46
